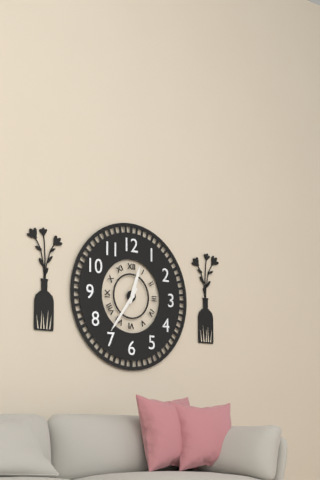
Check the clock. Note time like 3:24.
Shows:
12:36
